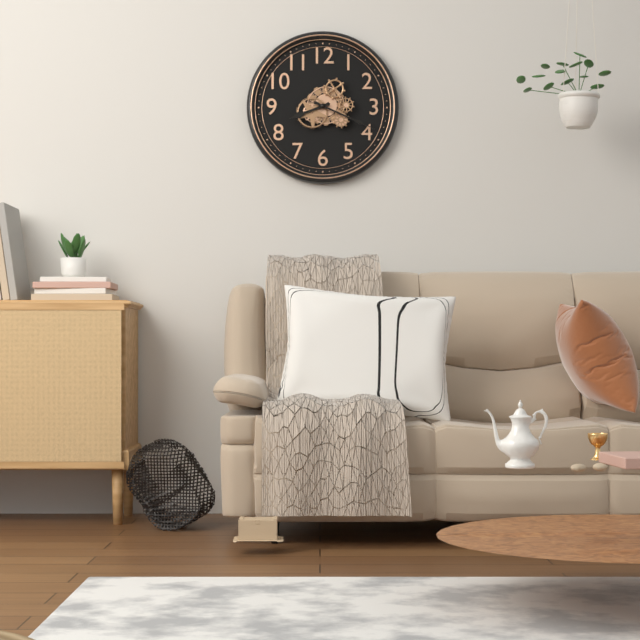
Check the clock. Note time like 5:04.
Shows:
8:19
